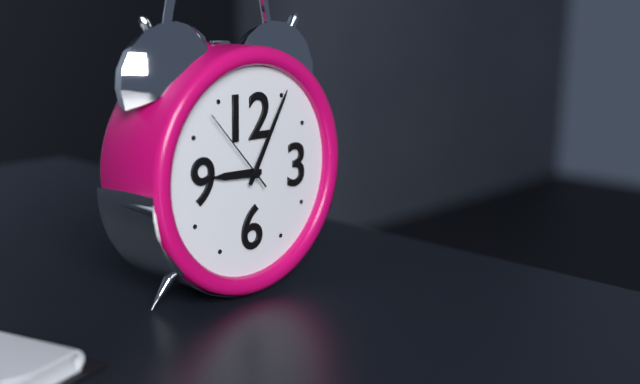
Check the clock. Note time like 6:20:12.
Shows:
9:05:53
